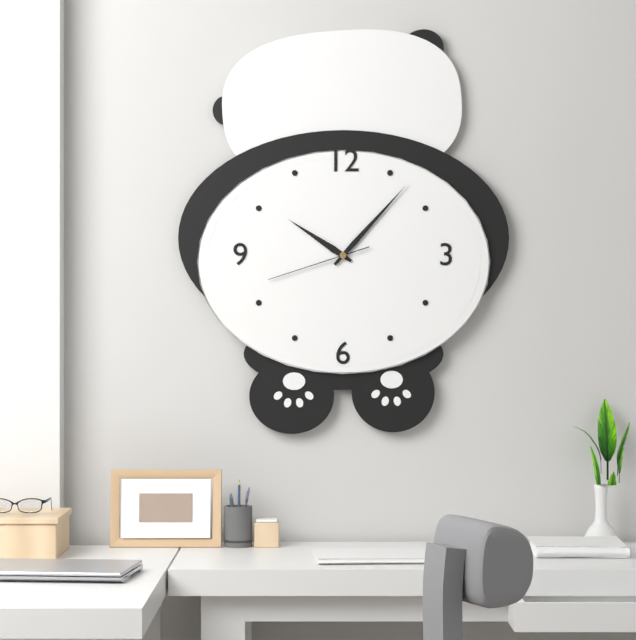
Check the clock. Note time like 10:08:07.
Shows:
10:07:42
